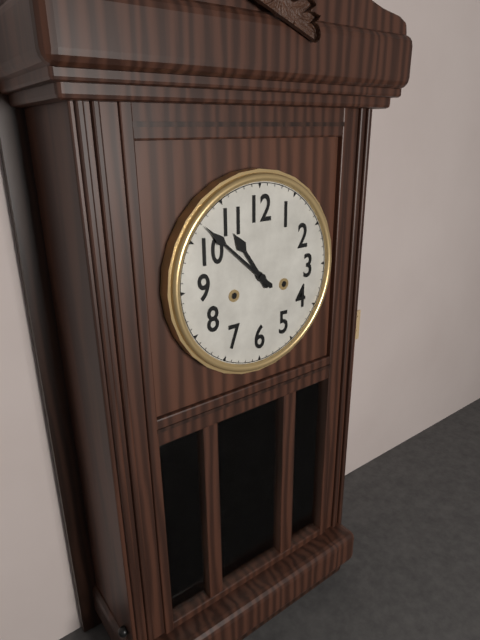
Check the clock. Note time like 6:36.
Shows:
10:52
